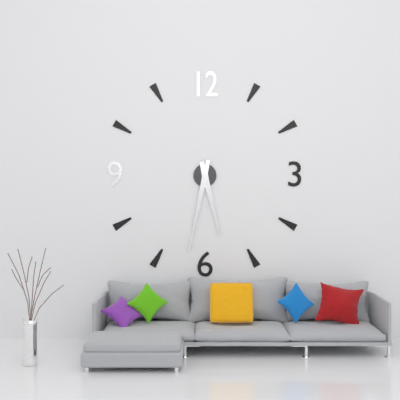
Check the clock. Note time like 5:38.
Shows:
5:32
